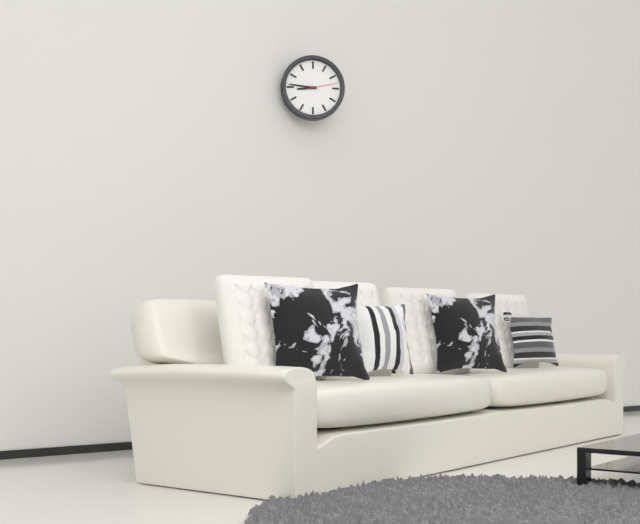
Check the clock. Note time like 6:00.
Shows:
8:46
